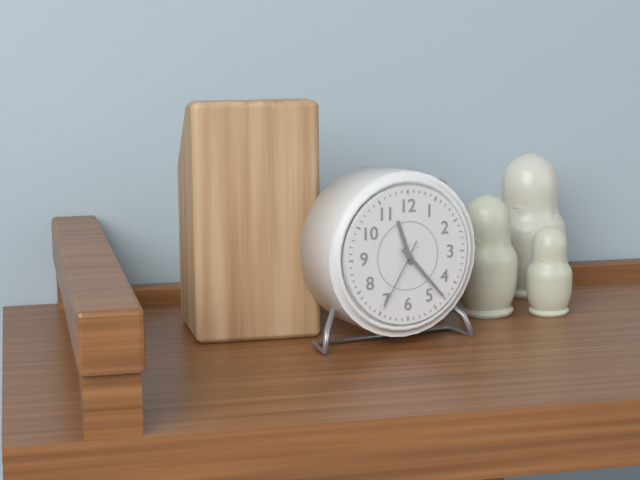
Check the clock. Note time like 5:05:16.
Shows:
11:23:35
